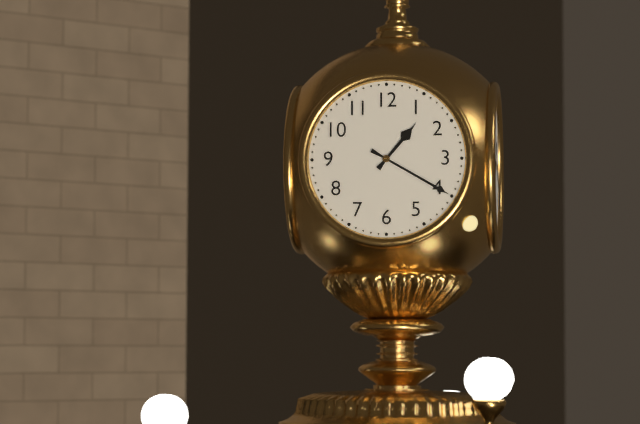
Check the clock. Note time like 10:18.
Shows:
1:20
